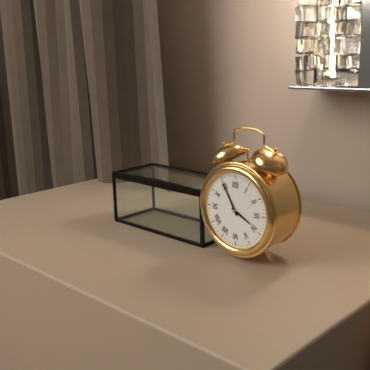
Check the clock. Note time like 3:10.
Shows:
3:55
